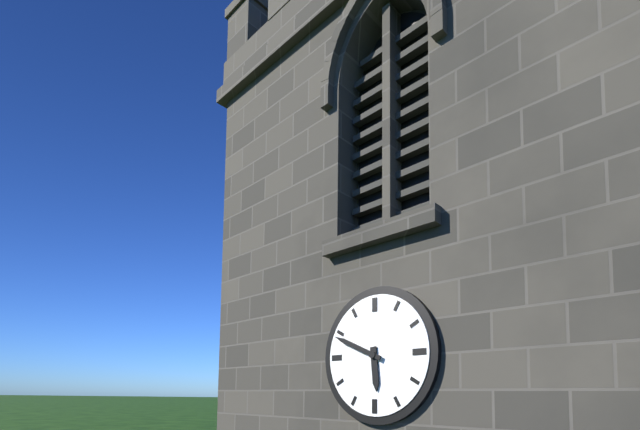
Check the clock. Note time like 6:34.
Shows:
5:49
